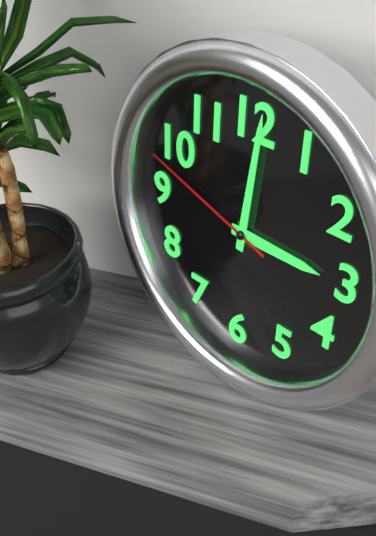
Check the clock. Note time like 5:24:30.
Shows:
3:01:48
